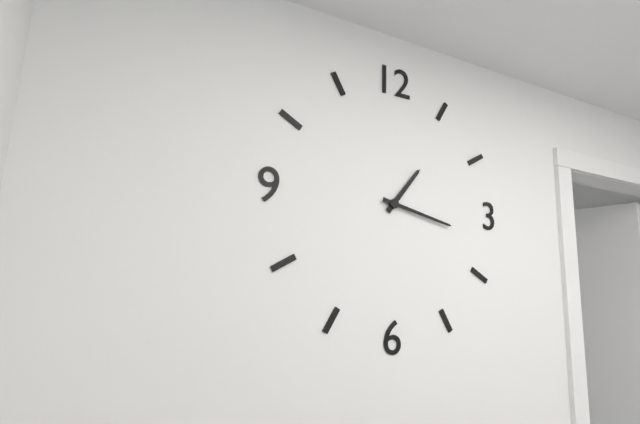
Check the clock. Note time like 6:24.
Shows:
1:17
